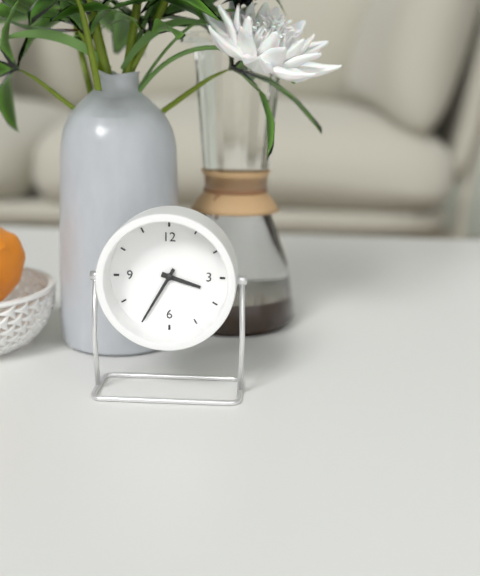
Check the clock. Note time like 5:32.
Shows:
3:35
